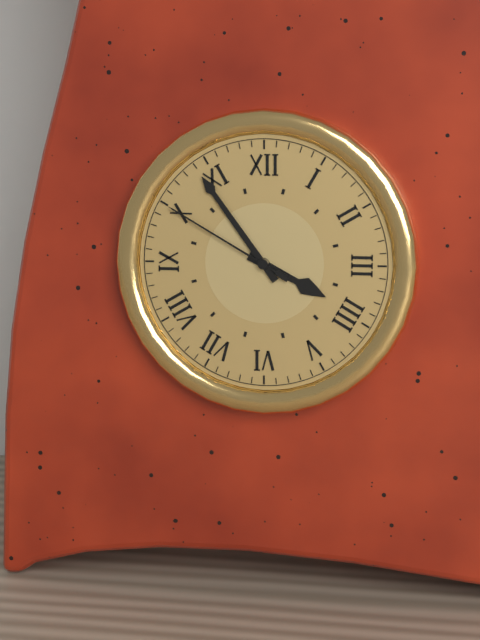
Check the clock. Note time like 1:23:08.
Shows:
3:54:50
